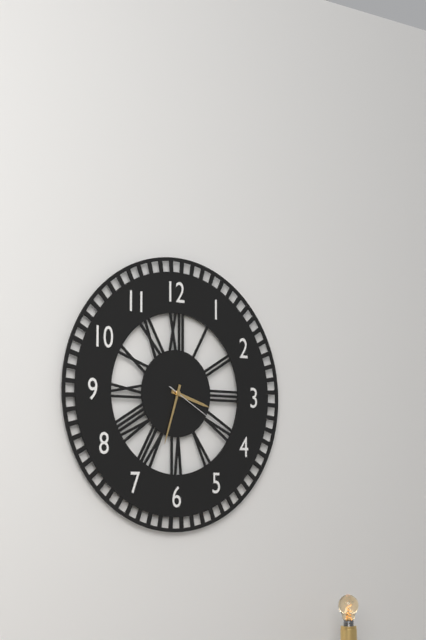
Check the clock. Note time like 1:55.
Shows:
3:33
